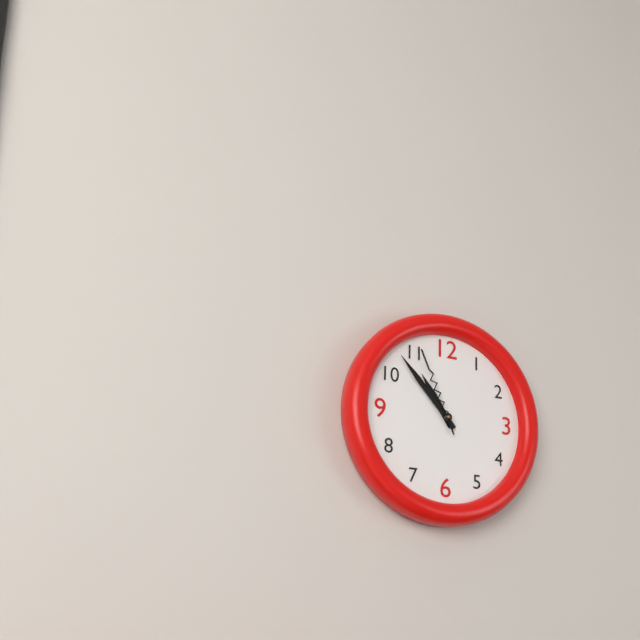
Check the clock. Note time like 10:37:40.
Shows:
10:53:56
